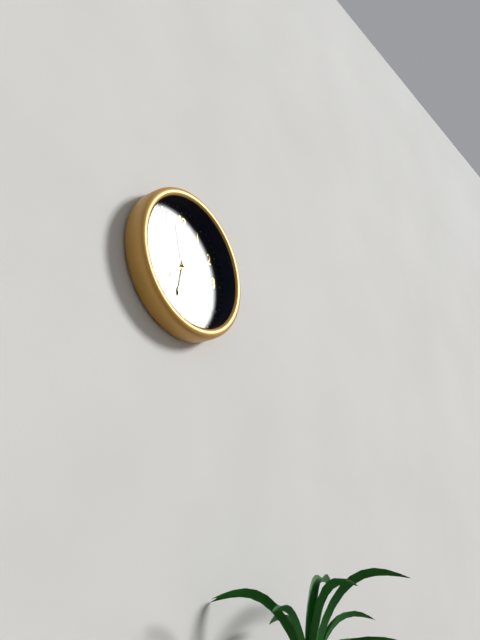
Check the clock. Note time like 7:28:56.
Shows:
7:32:58
